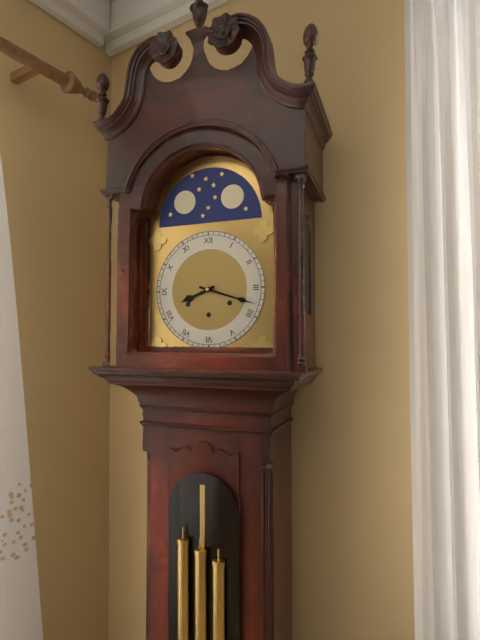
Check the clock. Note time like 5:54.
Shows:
8:18
